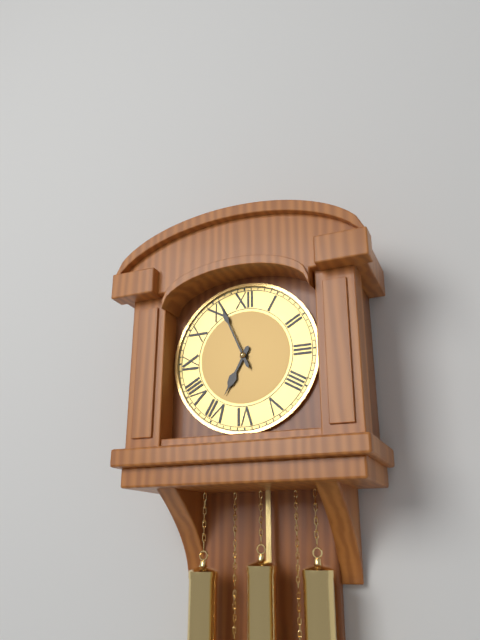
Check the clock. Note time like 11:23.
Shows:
6:56
